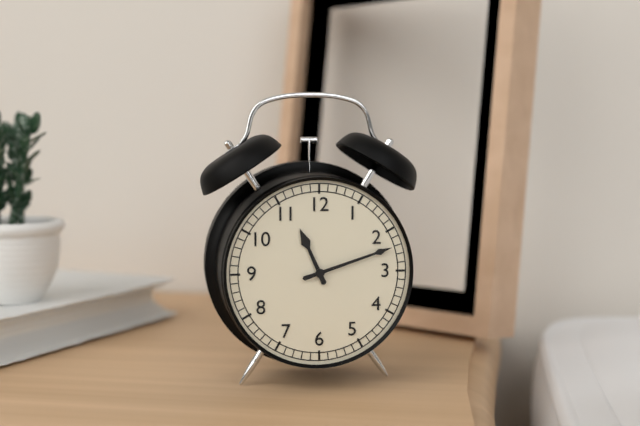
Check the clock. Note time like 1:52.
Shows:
11:12
